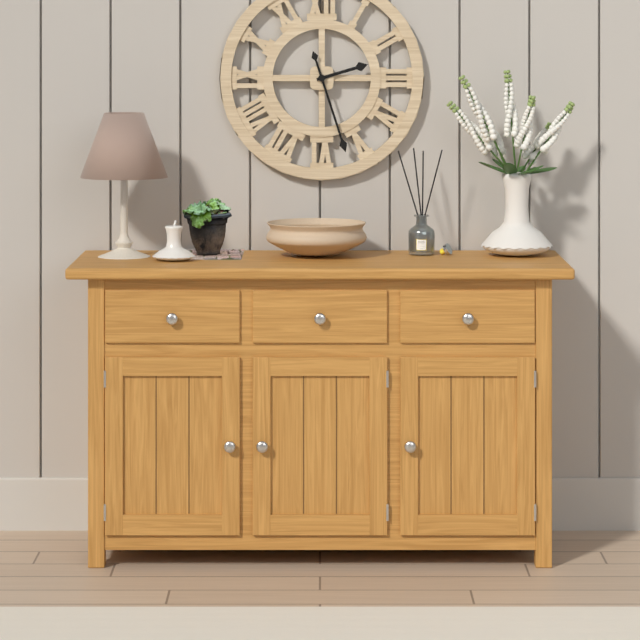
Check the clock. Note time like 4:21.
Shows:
2:27
